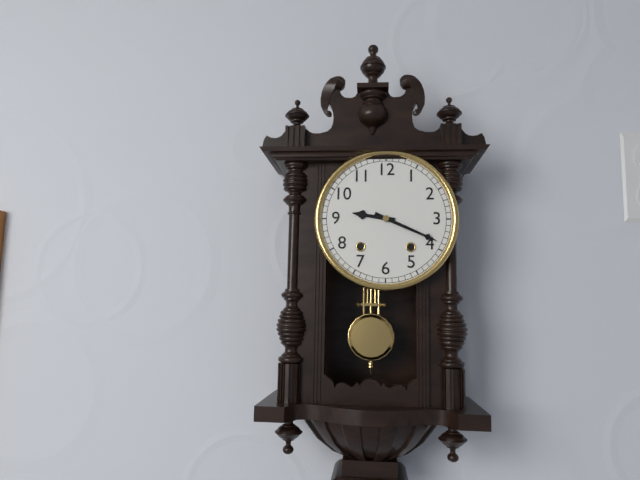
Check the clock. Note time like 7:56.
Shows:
9:19
